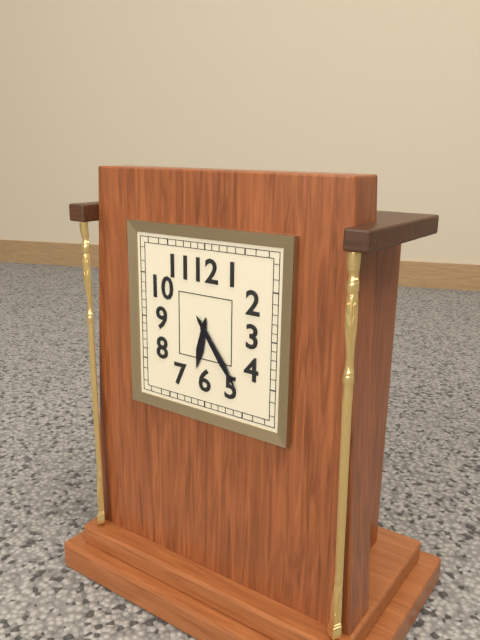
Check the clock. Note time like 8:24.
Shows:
6:24
